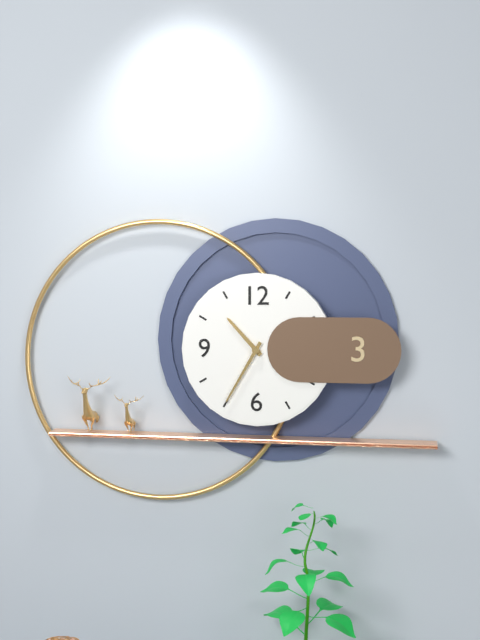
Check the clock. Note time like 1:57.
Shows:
10:35
